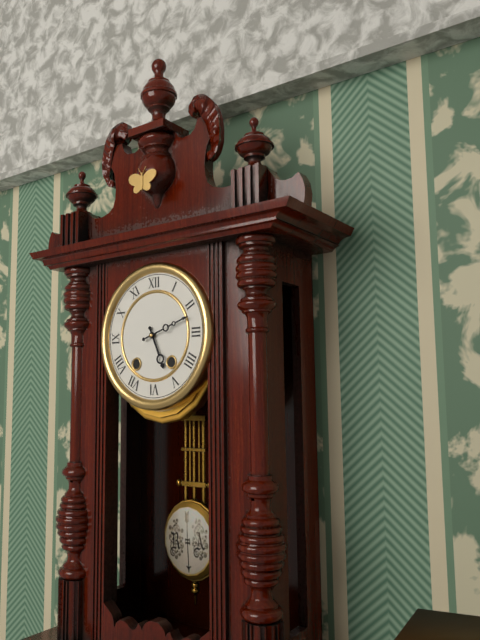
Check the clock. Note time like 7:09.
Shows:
5:12
